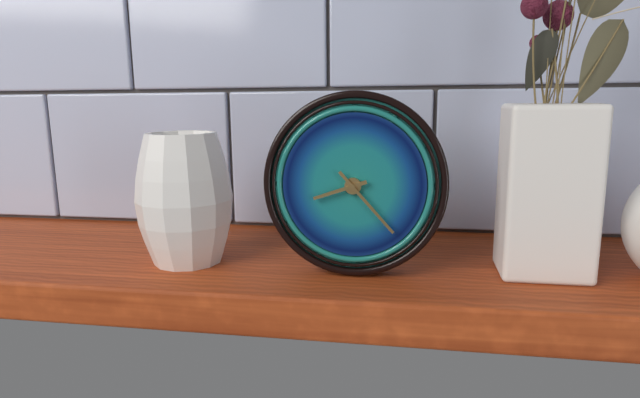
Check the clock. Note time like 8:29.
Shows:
8:23
